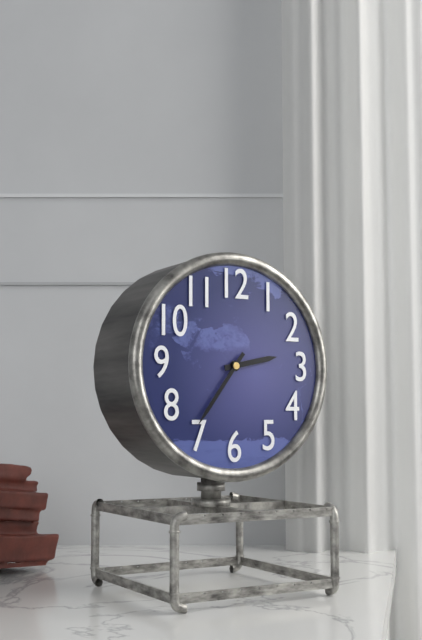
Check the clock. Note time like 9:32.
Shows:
2:36
